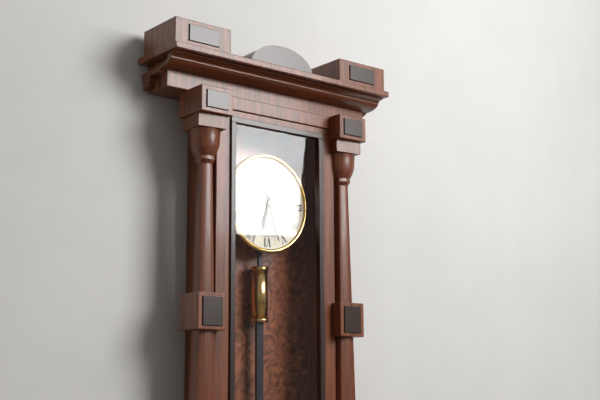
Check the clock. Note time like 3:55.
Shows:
6:27
